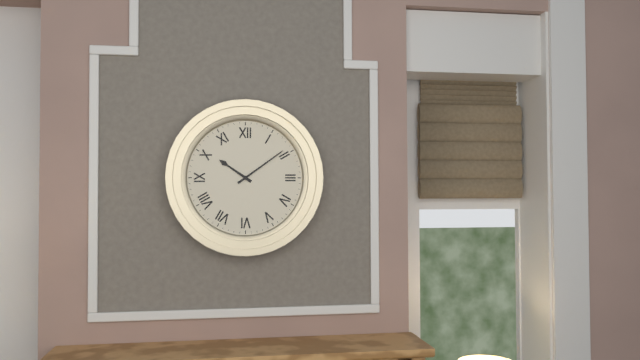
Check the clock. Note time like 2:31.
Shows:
10:09
